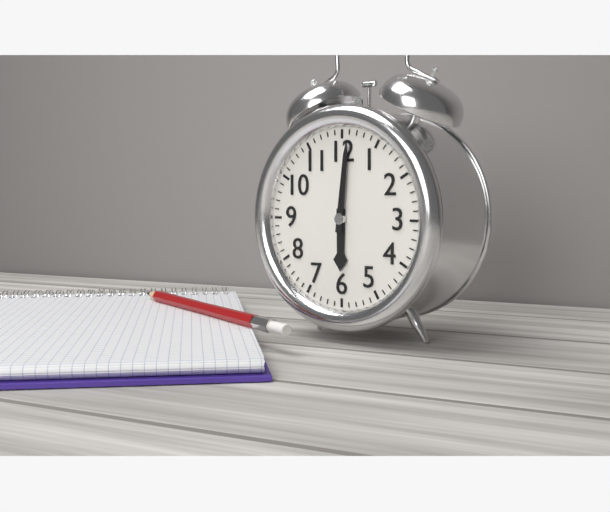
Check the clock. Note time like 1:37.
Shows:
6:01
